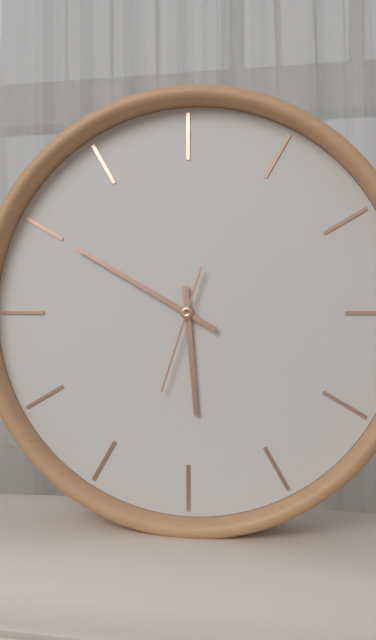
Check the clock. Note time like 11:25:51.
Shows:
5:50:33
